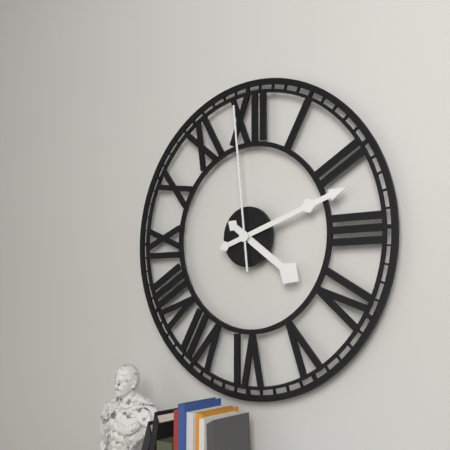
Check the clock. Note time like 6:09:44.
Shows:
4:12:59
